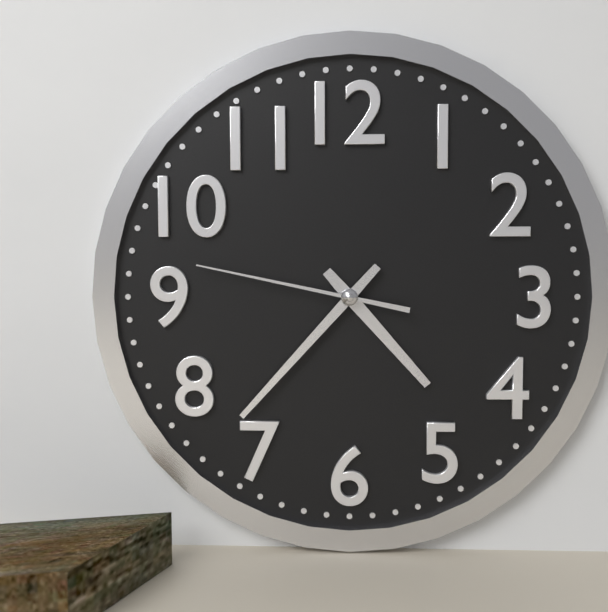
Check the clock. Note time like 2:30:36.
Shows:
4:37:47
